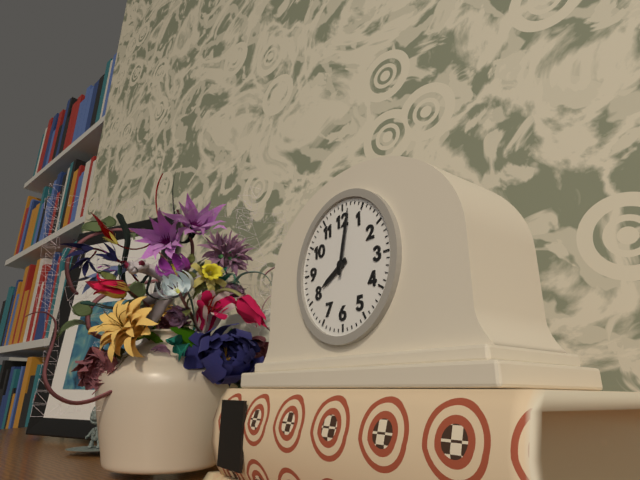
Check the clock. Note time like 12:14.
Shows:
8:02
